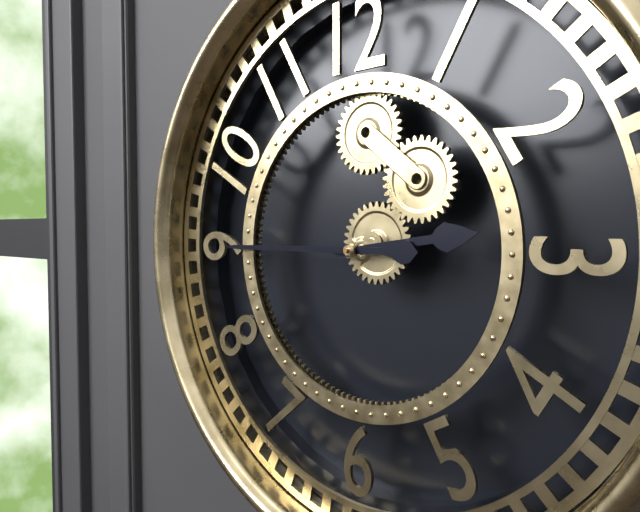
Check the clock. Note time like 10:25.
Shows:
2:45
